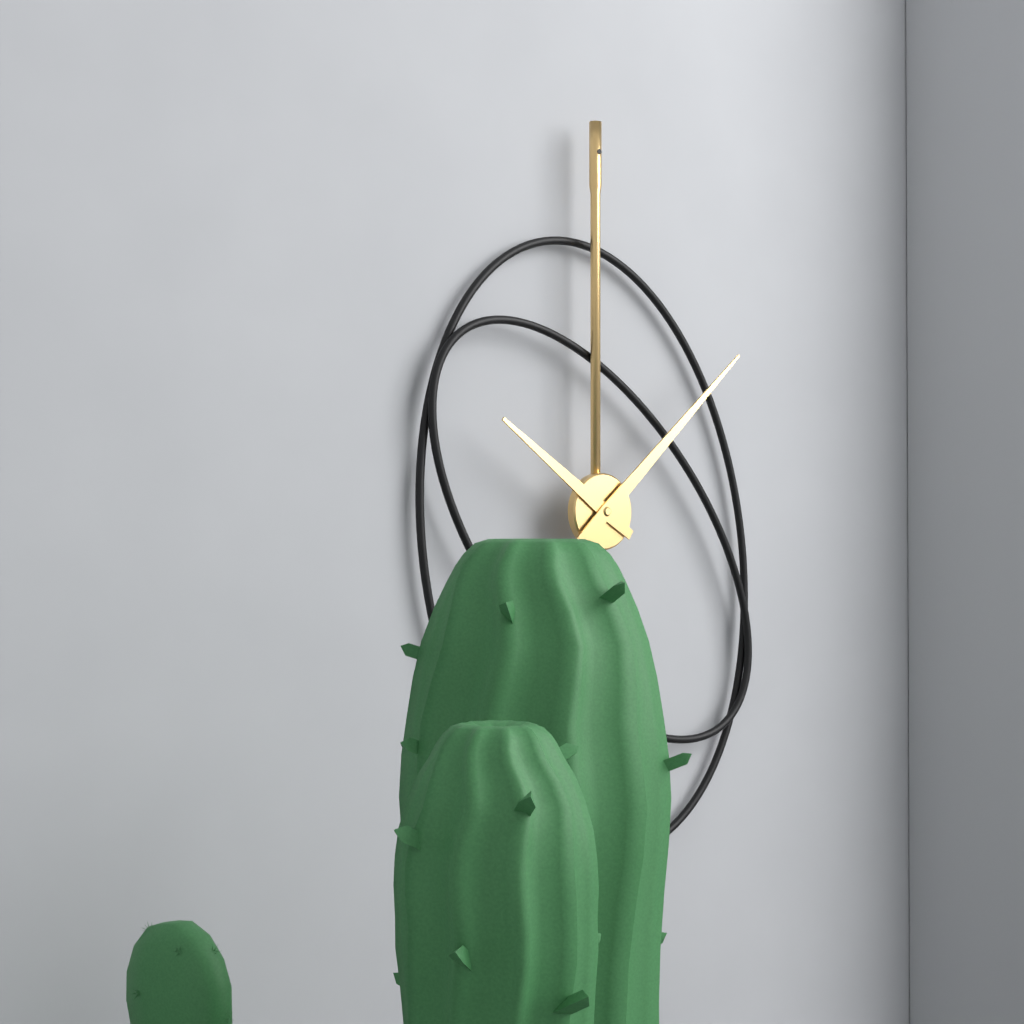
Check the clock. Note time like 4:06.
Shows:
10:08
